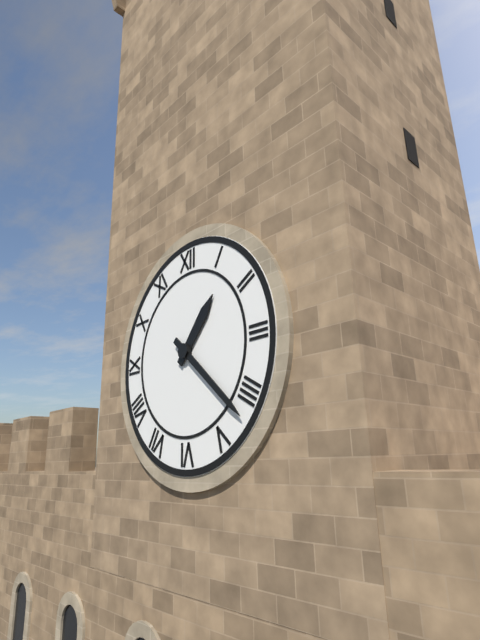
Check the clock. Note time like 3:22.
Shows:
1:22
